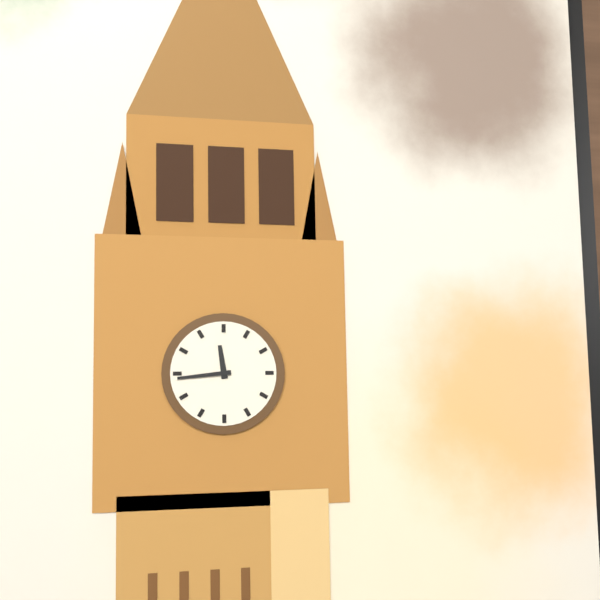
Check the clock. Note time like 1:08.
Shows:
11:44
